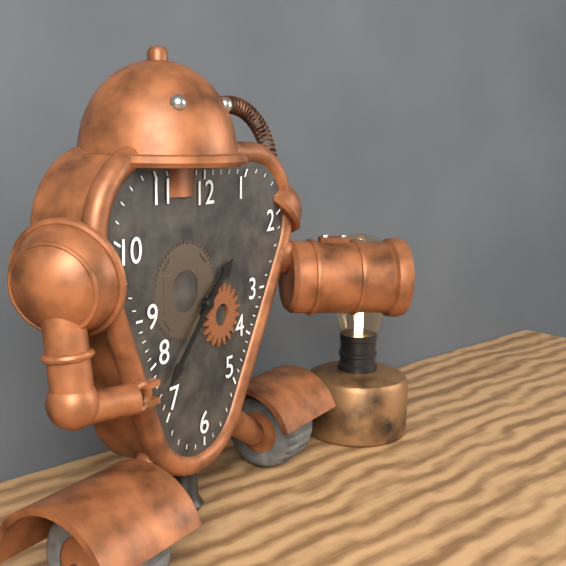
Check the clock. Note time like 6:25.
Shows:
1:37
